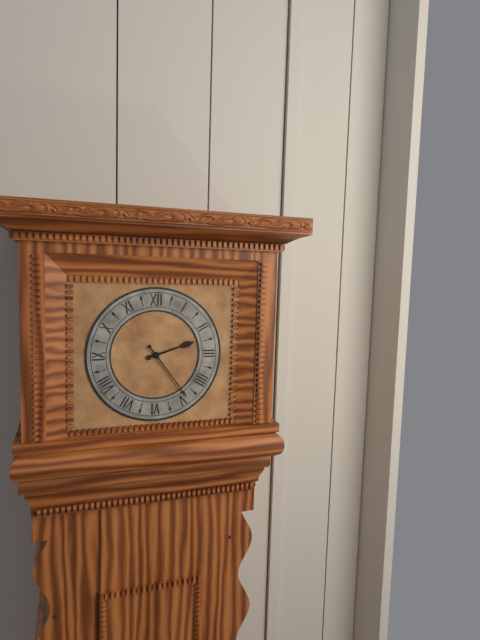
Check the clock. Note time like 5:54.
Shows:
2:24
